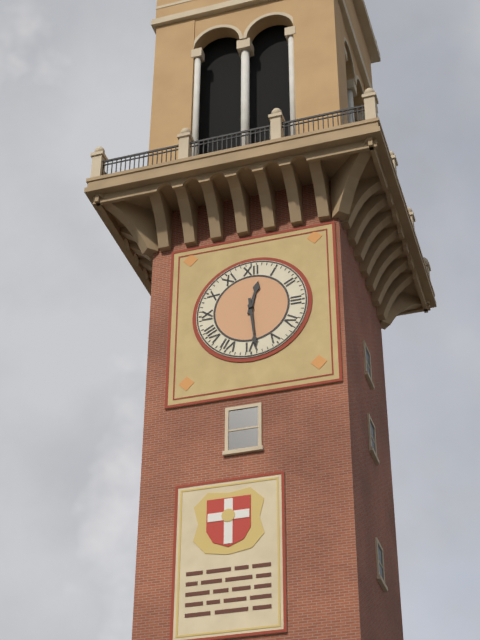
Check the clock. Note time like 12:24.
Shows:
12:29
